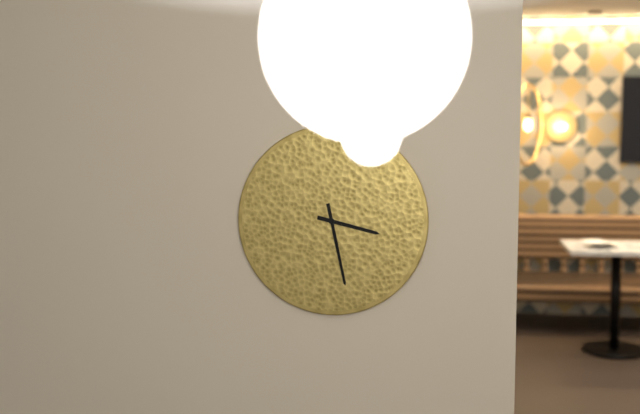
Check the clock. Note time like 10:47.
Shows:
3:28
